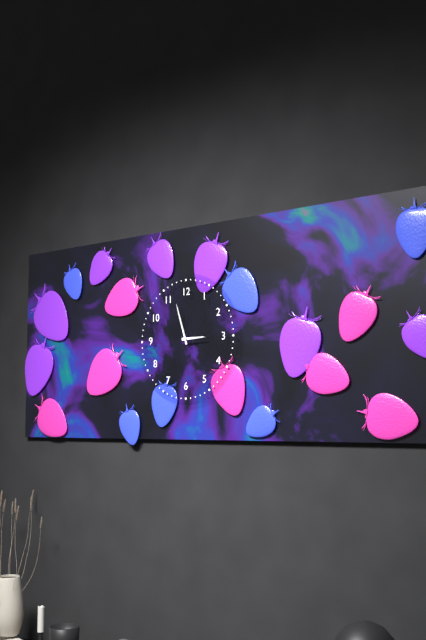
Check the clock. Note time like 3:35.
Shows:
2:57
